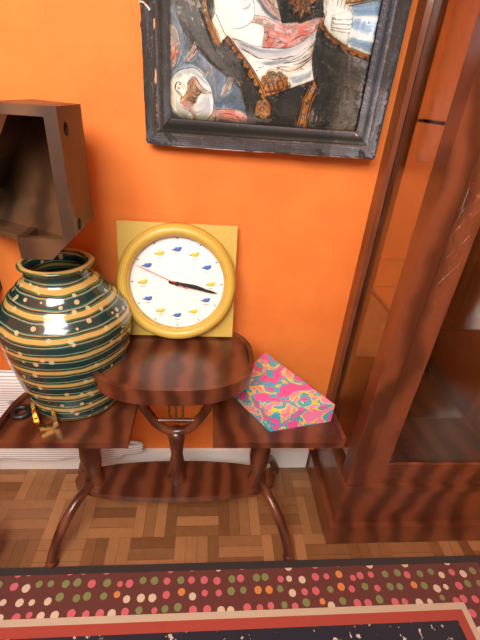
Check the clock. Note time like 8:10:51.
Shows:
3:17:49
